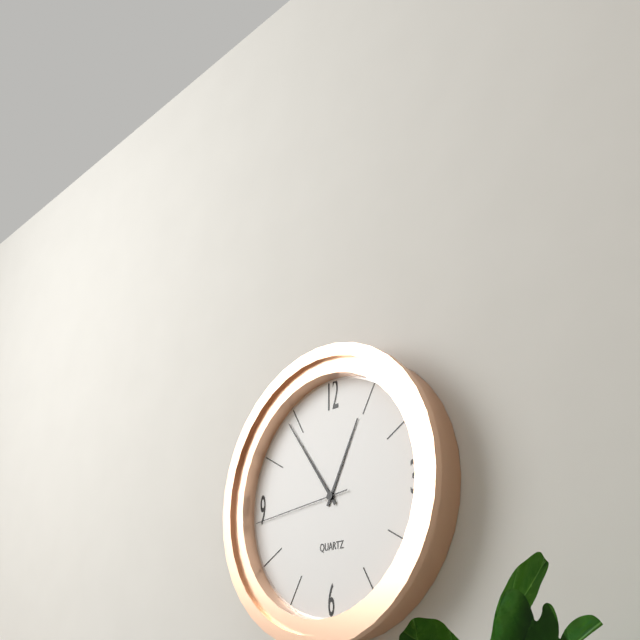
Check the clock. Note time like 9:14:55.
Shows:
12:54:44
